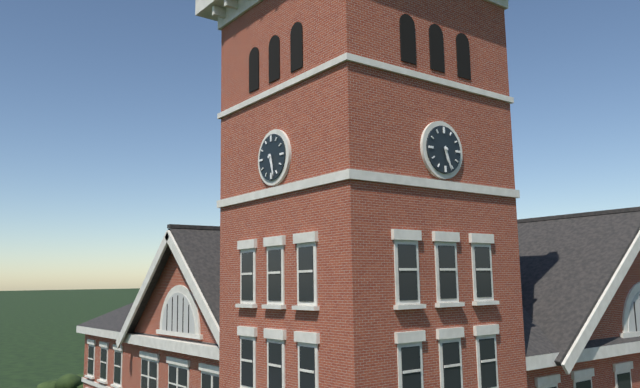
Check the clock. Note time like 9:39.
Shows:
5:27
